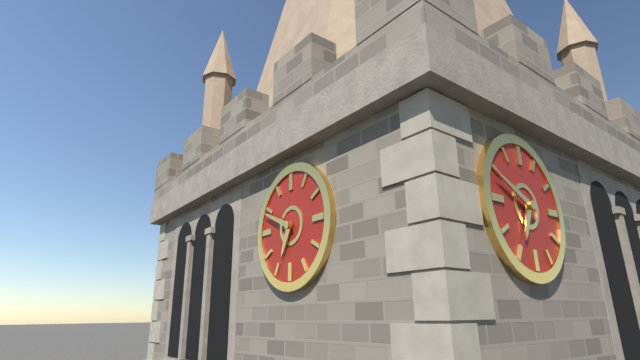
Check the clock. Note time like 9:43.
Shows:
6:49
